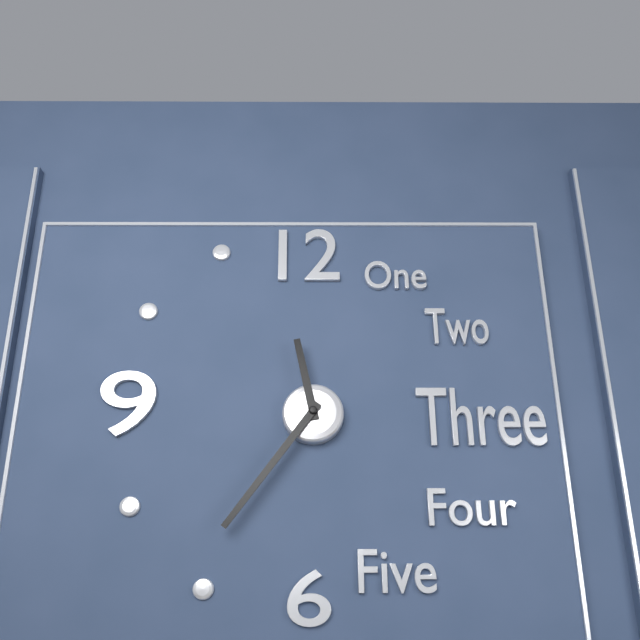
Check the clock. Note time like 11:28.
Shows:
11:36
